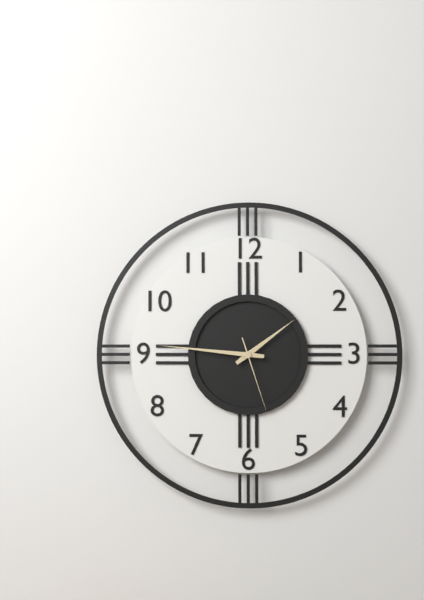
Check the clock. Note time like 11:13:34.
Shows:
1:46:27
